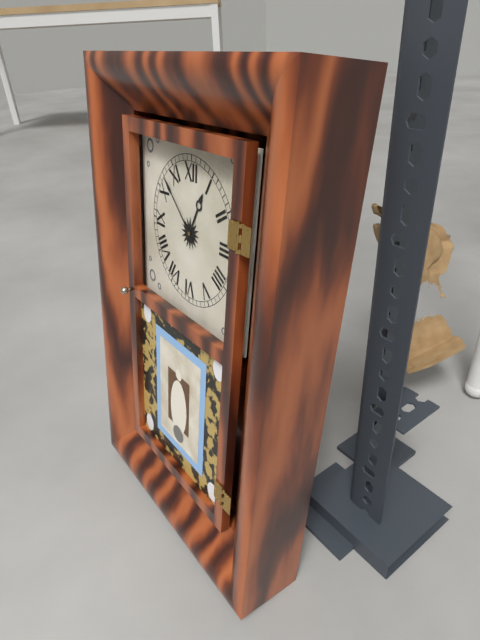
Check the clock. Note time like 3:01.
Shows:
12:52
